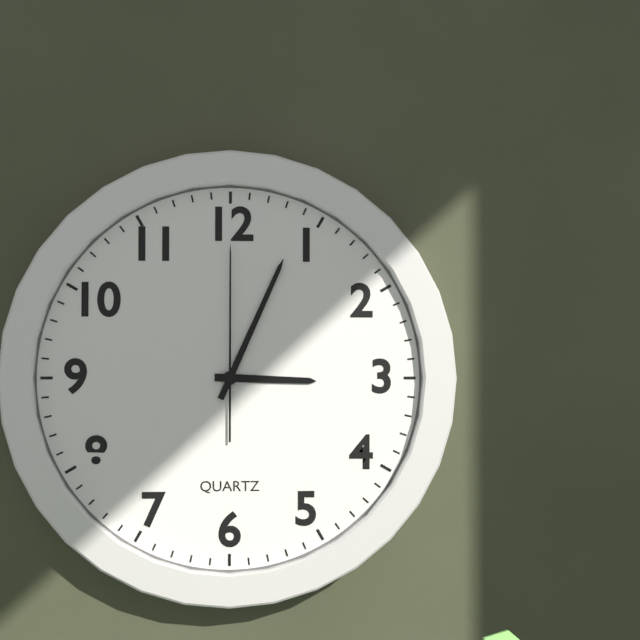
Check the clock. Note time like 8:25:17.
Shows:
3:04:00
